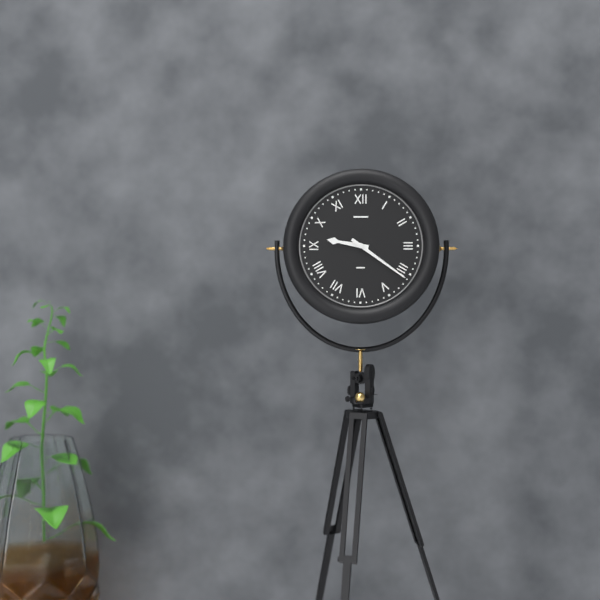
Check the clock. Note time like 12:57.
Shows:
9:21
